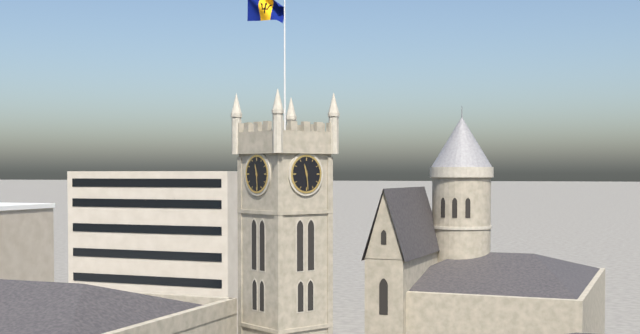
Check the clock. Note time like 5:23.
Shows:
11:29
